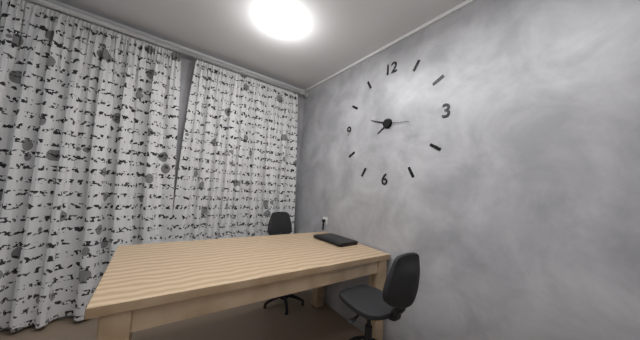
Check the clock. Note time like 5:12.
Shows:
7:48
